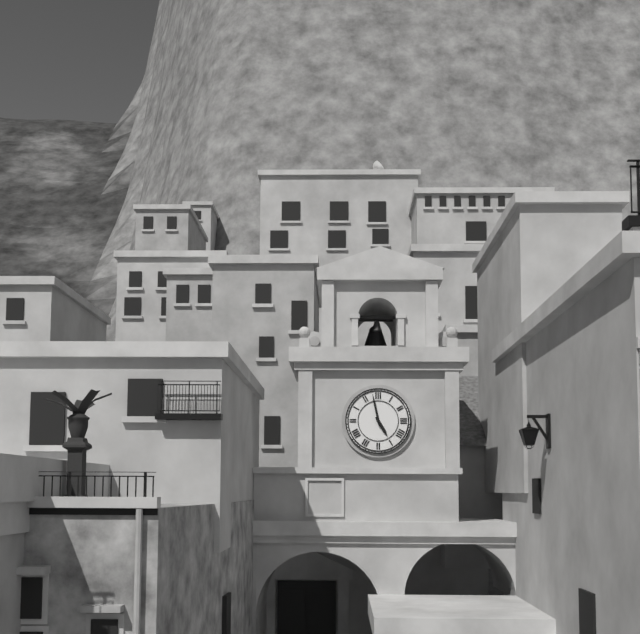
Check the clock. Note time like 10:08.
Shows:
4:58
